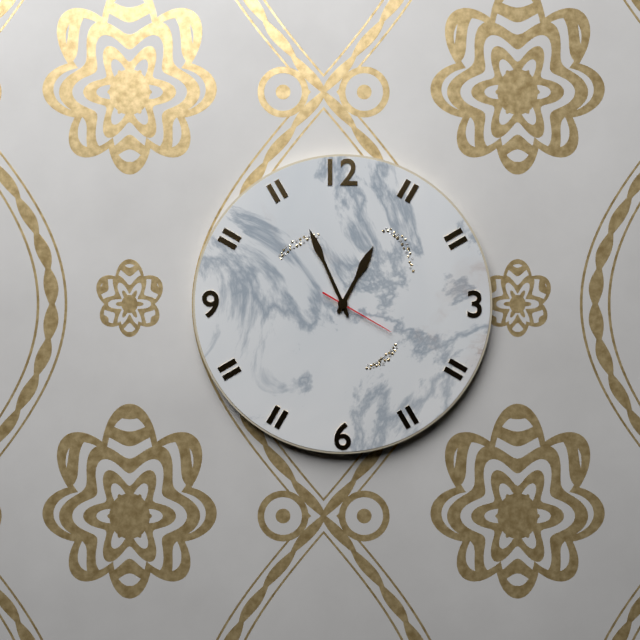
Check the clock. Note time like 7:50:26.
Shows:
12:56:20
